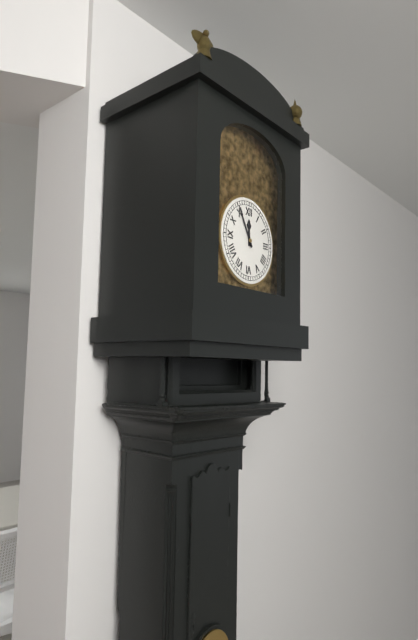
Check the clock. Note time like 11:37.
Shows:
11:55
